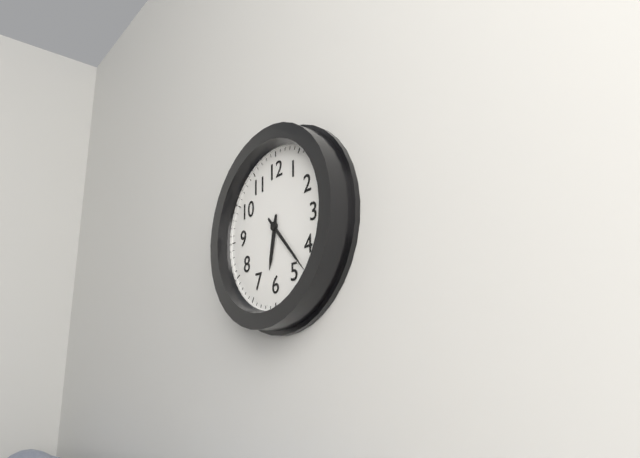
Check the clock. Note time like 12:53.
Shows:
6:23
